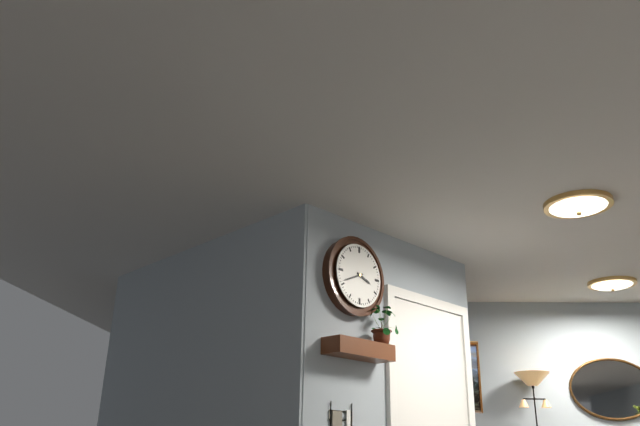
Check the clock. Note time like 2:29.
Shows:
3:41
